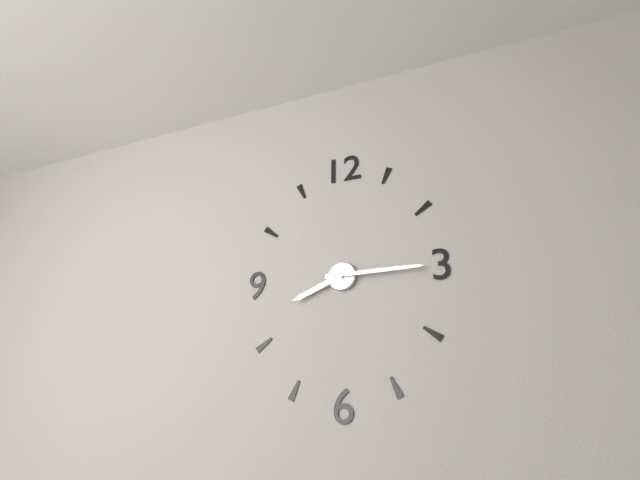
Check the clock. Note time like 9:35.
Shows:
8:15
